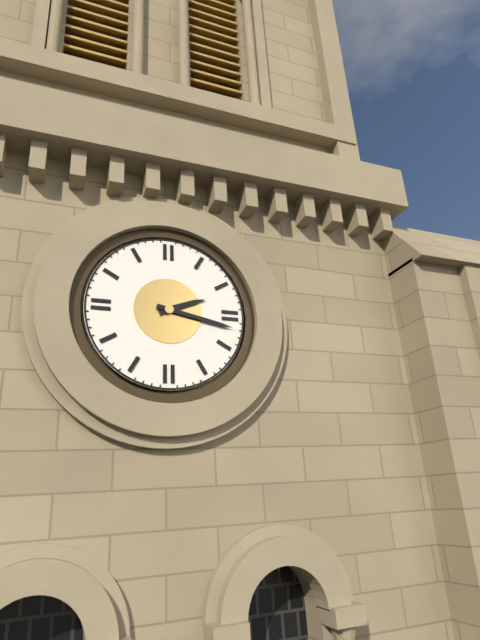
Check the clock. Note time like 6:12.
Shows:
2:17
